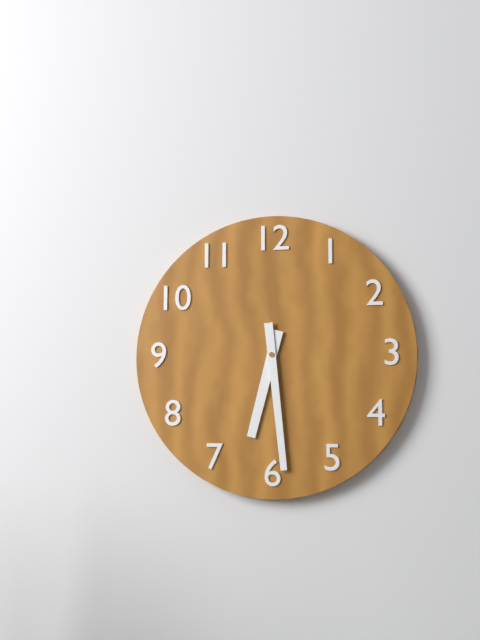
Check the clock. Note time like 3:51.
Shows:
6:29
